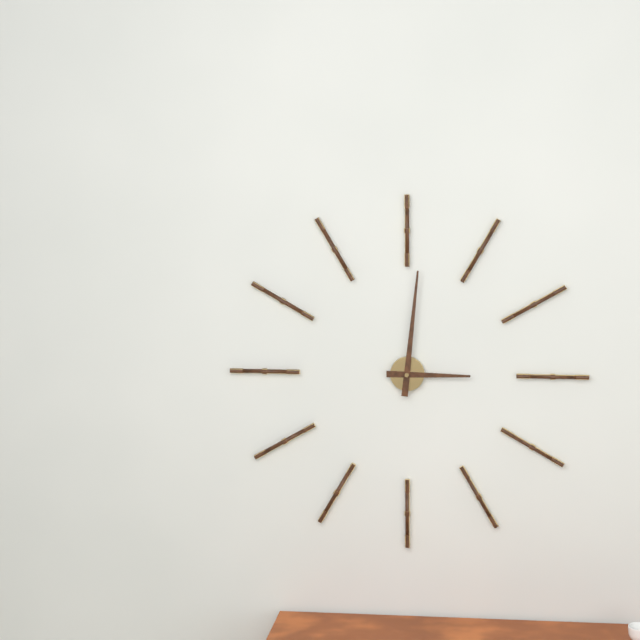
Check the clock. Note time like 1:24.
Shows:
3:01
